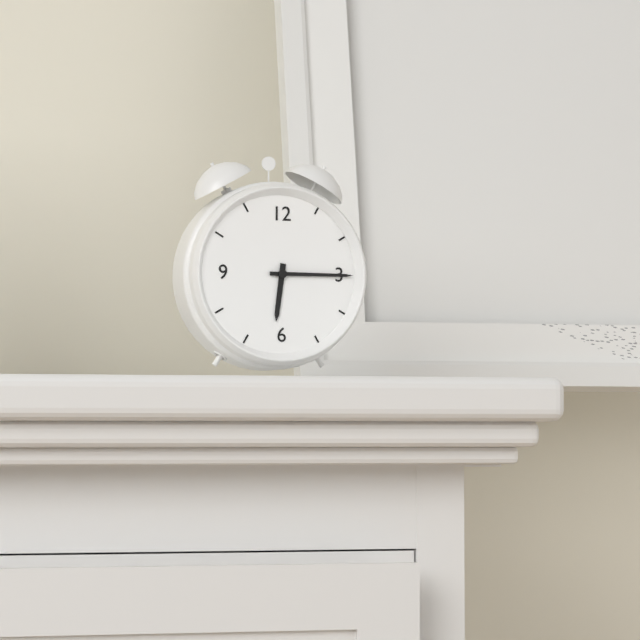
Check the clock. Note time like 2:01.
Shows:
6:15
